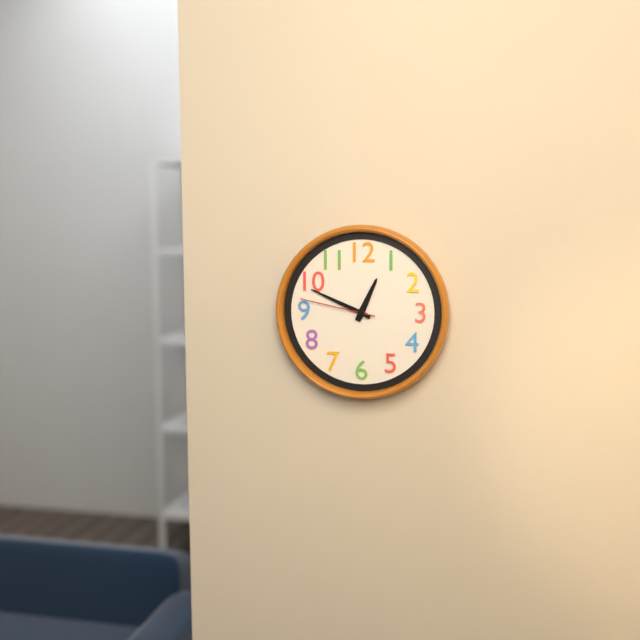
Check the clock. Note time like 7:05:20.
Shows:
12:49:47
